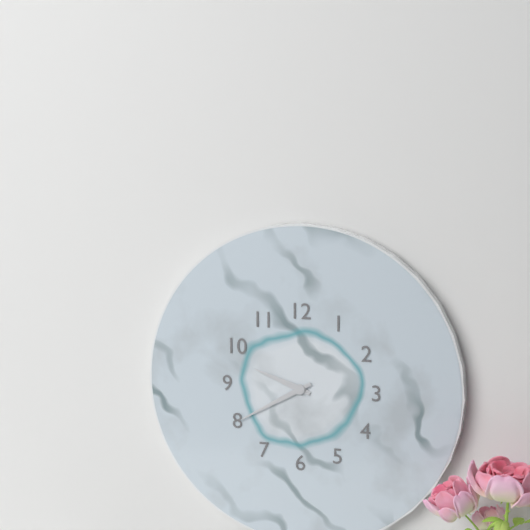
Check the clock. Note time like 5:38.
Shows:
9:40
